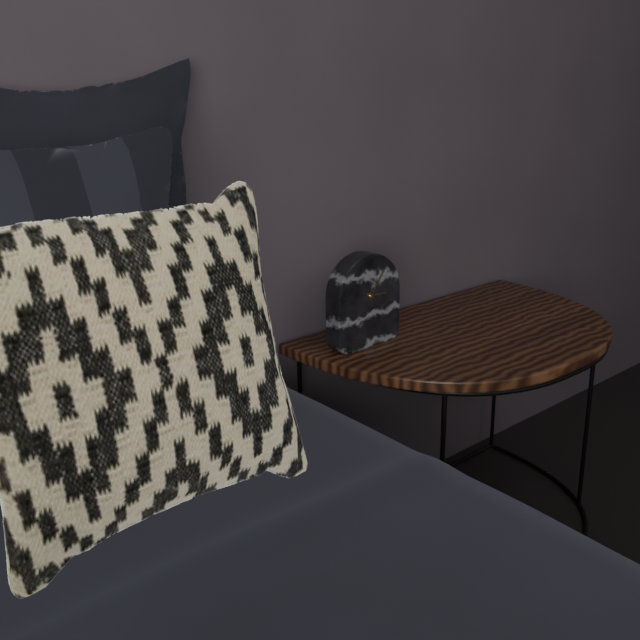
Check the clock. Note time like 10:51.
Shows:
3:06
